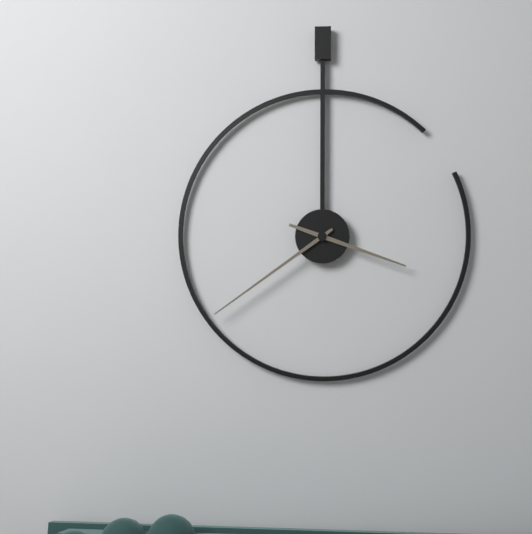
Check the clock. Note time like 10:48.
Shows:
3:39
